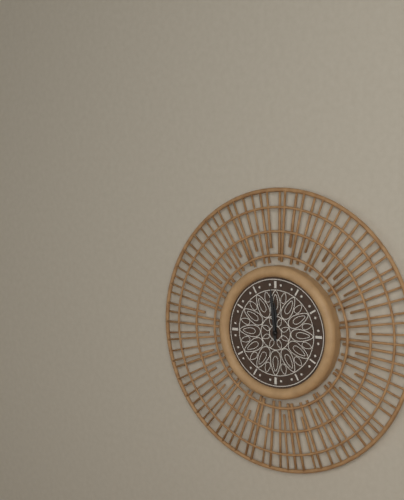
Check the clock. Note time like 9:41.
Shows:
11:59
